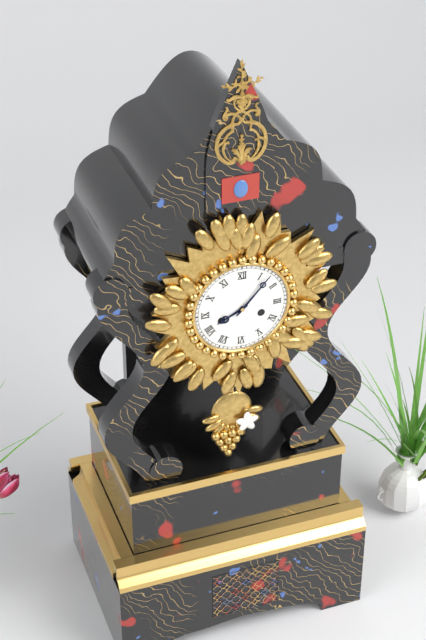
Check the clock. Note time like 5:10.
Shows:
8:07
